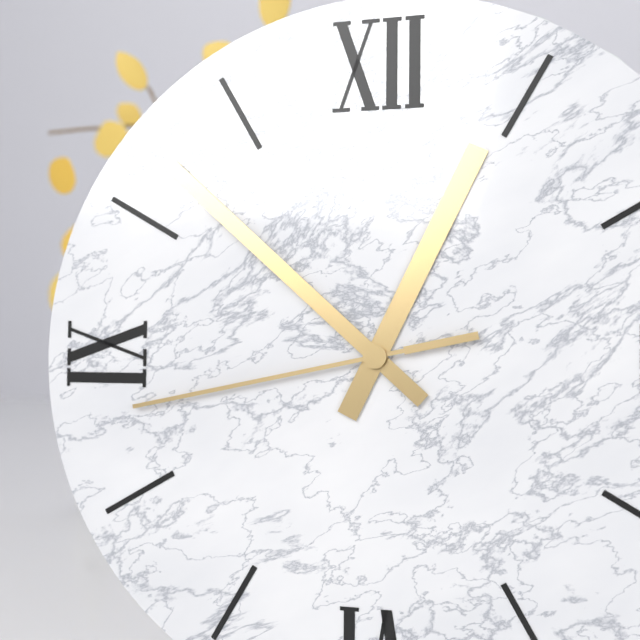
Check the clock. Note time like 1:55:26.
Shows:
12:52:43
